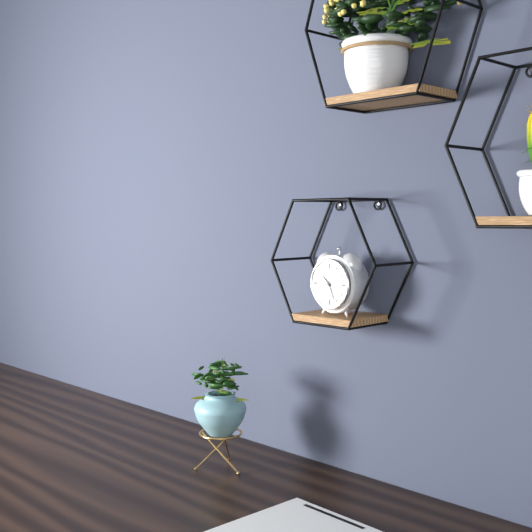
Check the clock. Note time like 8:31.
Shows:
10:26
